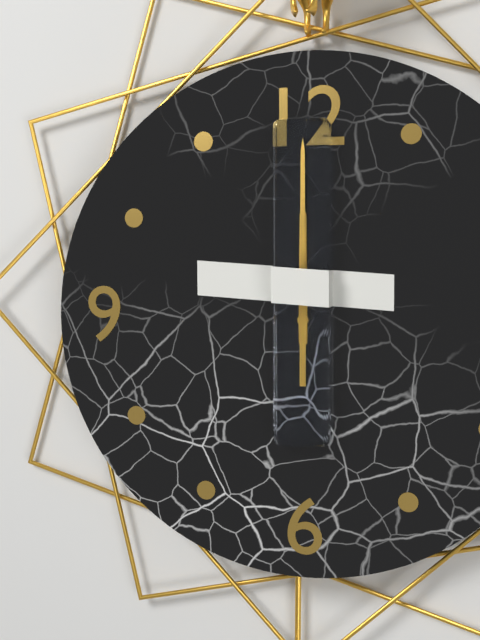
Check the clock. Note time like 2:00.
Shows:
12:00
